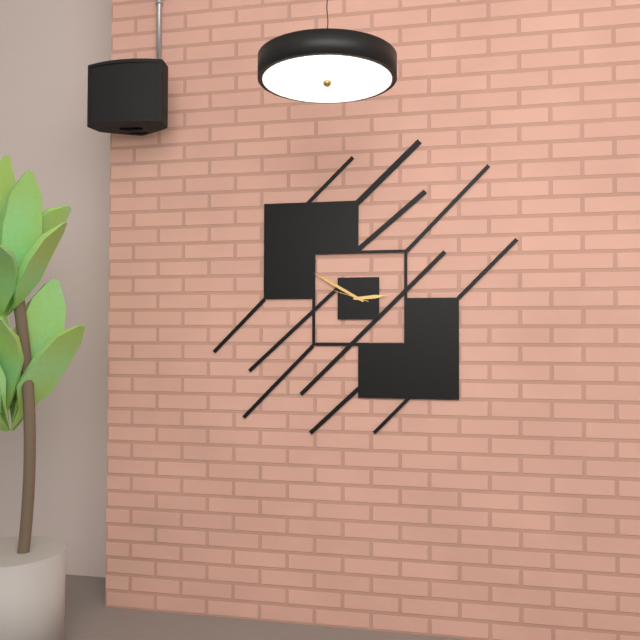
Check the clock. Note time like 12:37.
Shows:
2:50
